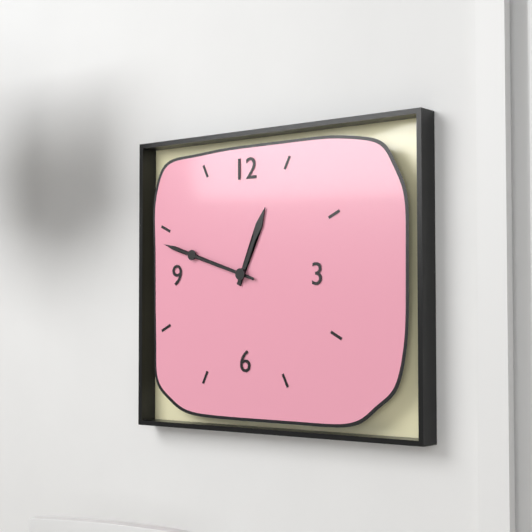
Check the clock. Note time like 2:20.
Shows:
12:48
